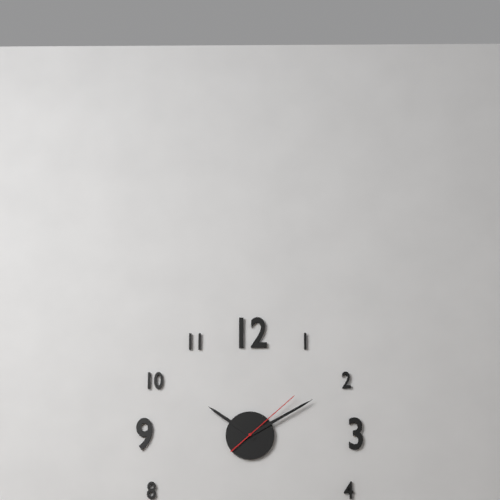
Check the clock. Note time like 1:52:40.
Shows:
10:10:08
